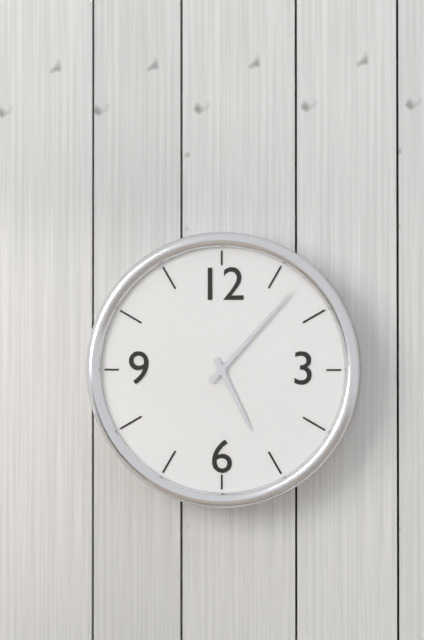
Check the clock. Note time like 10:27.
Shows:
5:07
